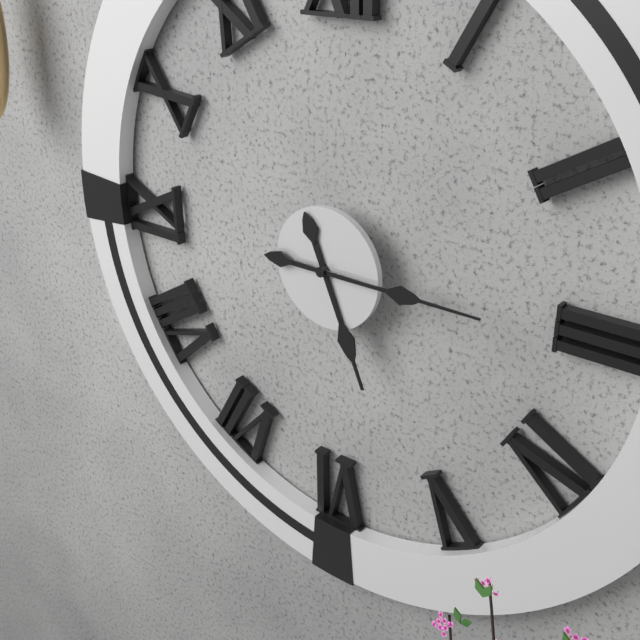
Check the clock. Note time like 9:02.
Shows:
5:15
